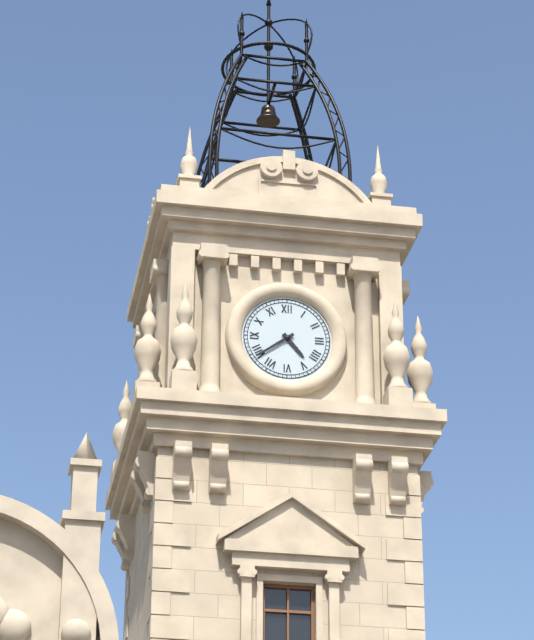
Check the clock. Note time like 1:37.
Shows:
4:39
